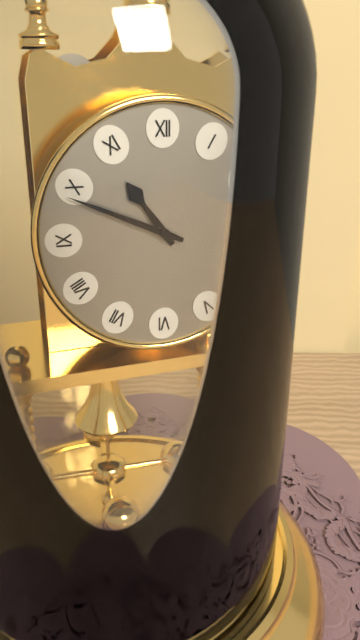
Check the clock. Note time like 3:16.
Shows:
10:49
